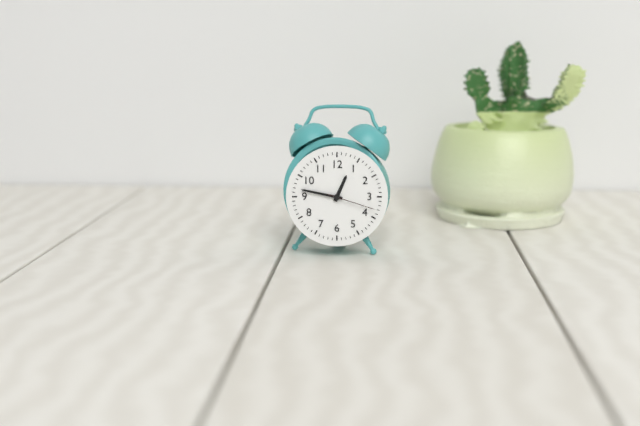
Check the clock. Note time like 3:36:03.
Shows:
12:47:18
